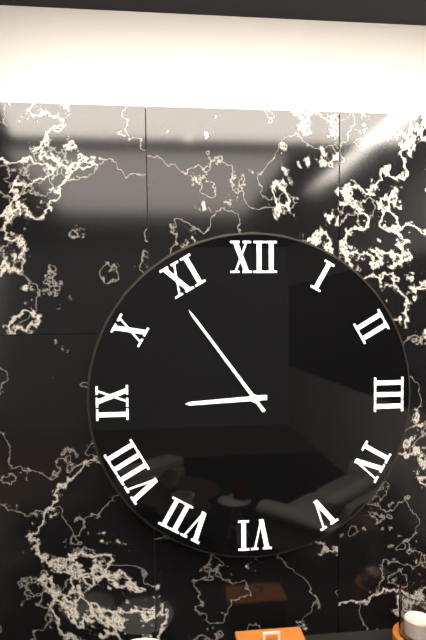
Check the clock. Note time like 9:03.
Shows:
8:54
